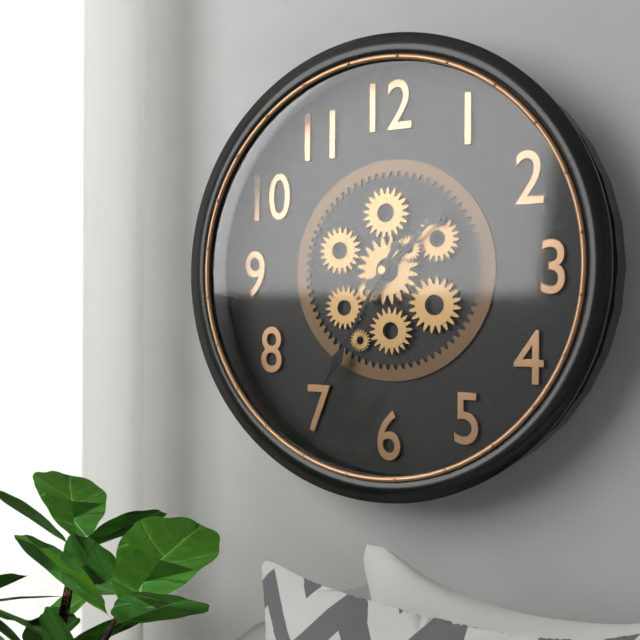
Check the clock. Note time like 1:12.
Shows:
1:35
